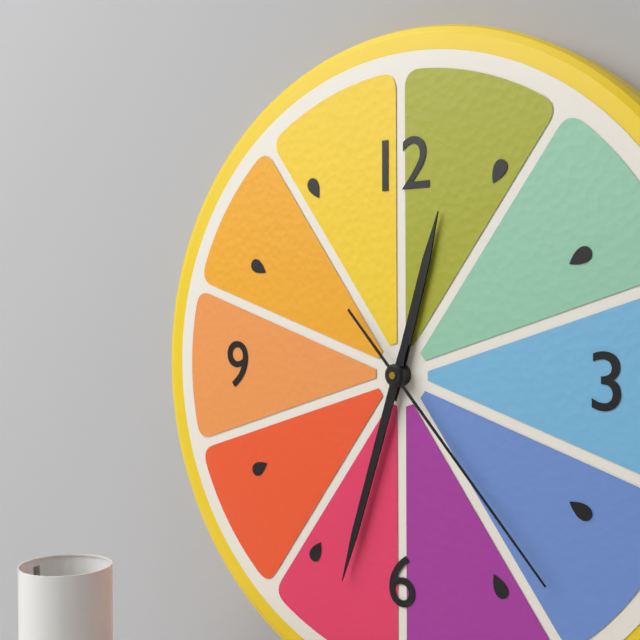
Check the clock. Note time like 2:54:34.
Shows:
12:33:23
